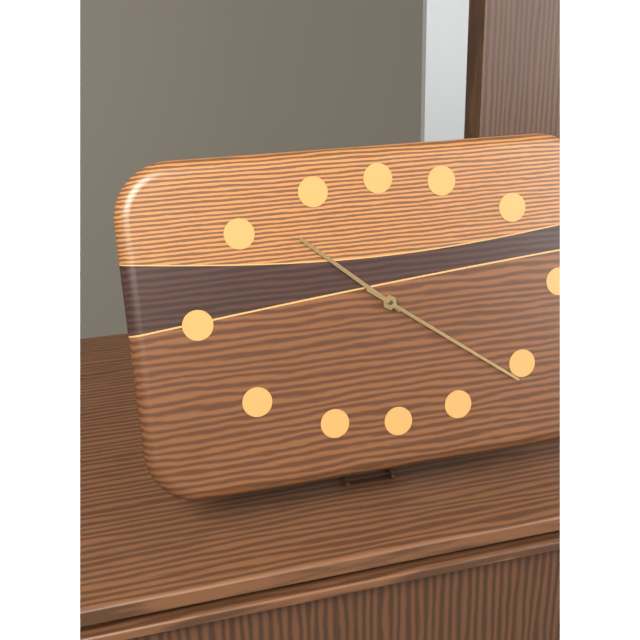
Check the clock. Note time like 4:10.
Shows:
10:21
